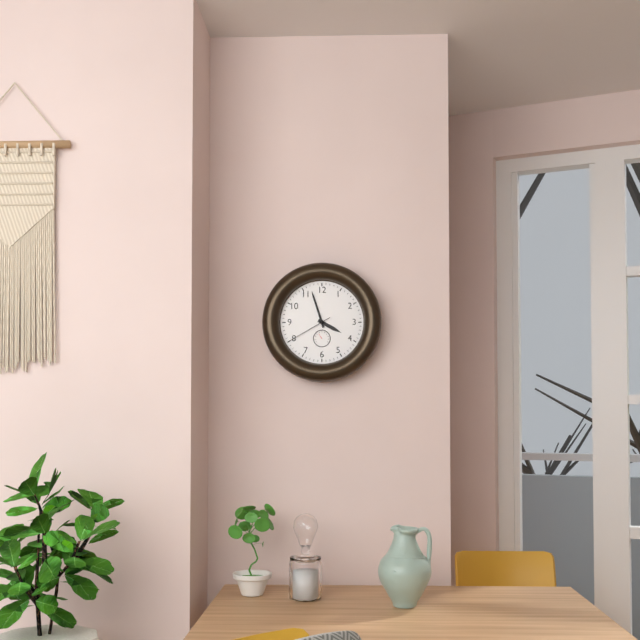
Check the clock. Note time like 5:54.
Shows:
3:57
